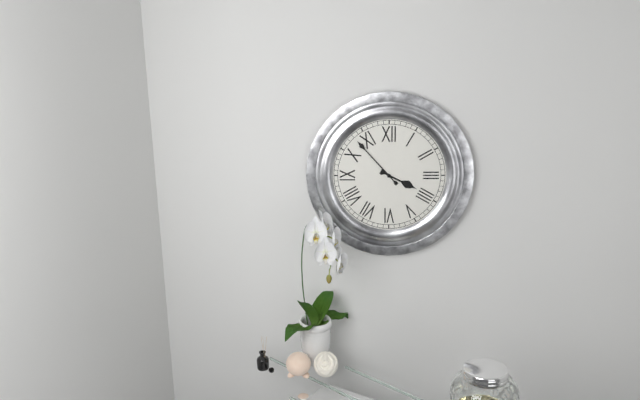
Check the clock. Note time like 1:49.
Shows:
3:53
